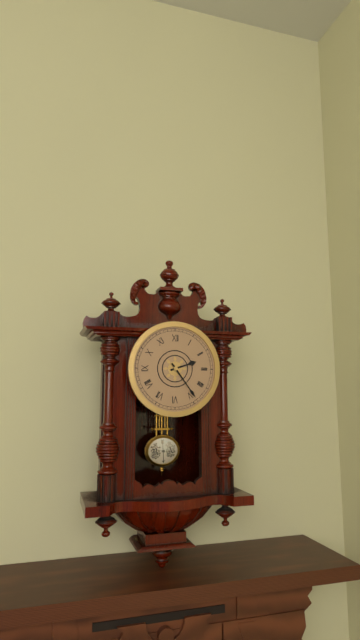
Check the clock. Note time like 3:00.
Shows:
2:24
